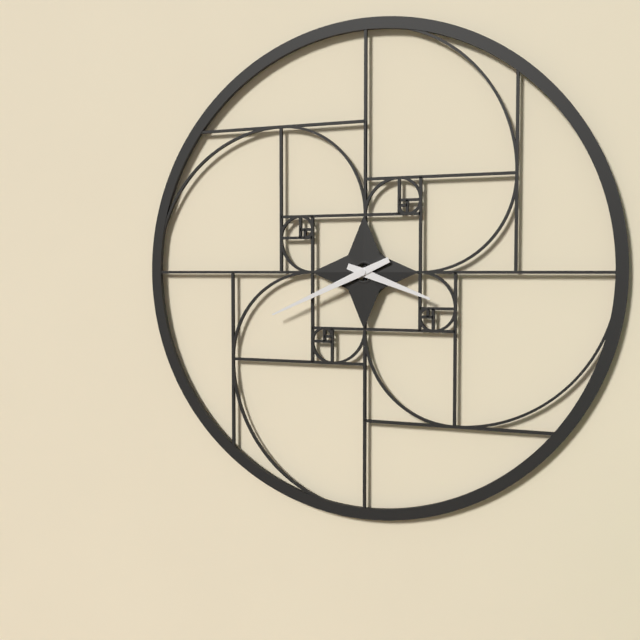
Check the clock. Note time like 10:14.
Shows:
3:41
